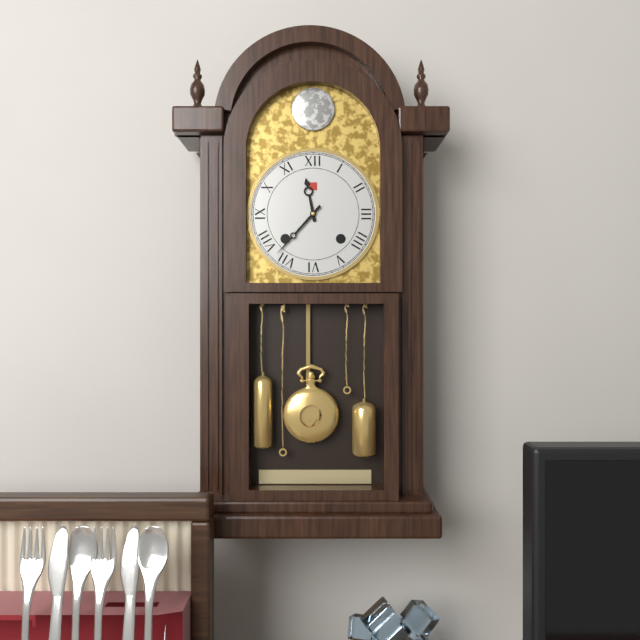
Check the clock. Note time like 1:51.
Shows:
11:37
